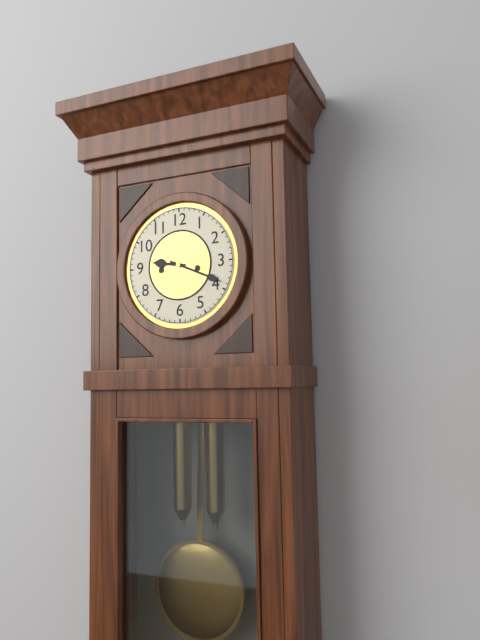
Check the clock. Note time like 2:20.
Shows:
9:19
